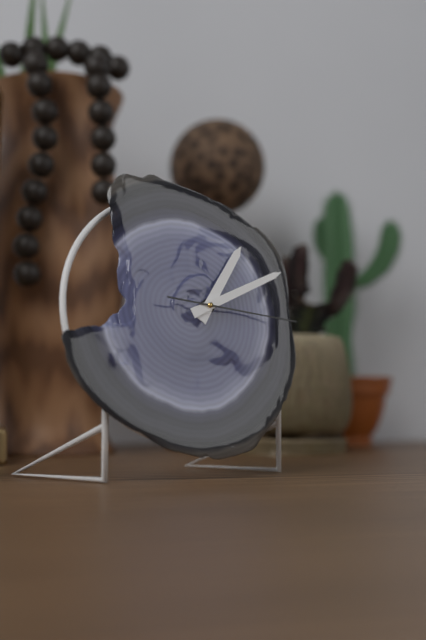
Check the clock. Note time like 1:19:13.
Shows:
1:11:16
